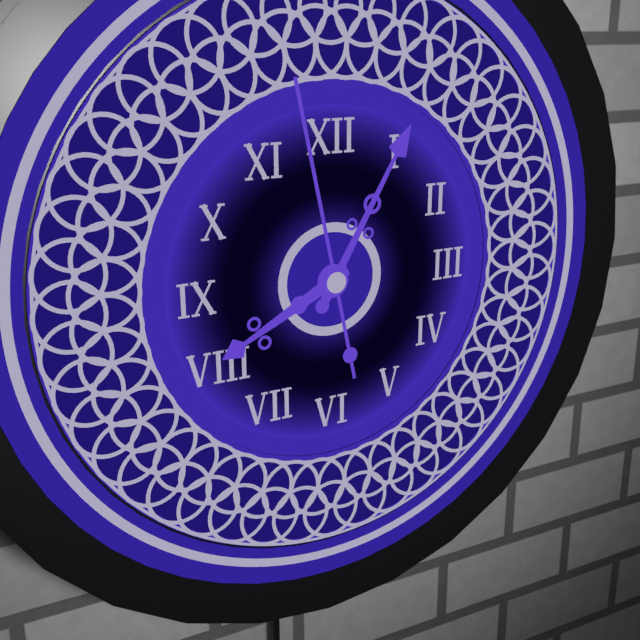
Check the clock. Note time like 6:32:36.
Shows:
8:05:58
